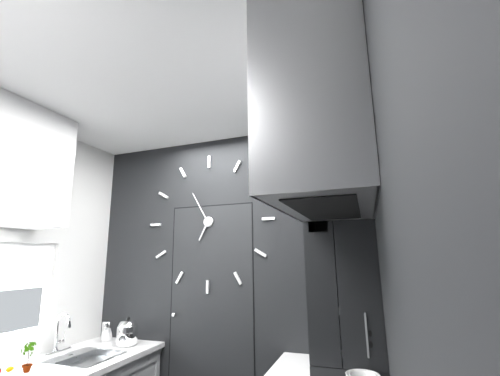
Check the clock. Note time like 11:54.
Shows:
6:55
